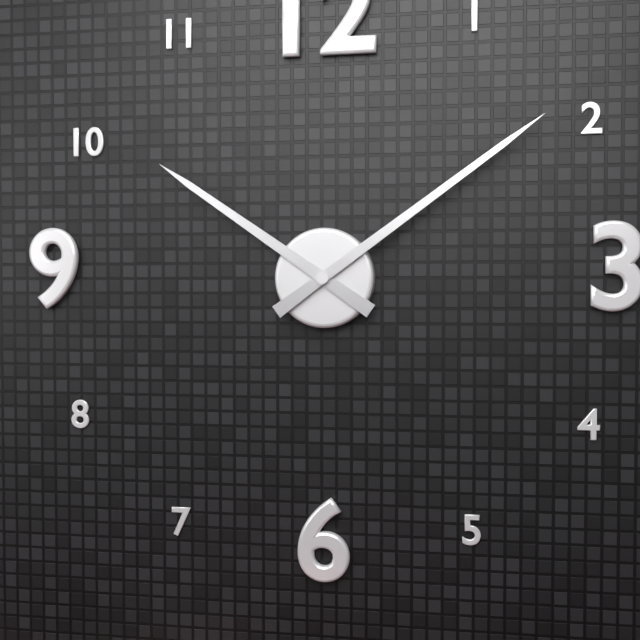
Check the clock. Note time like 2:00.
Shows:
10:09
